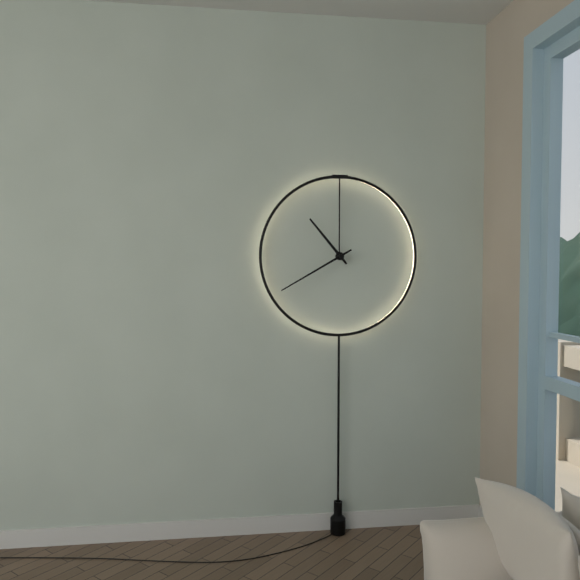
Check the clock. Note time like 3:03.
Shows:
10:40
